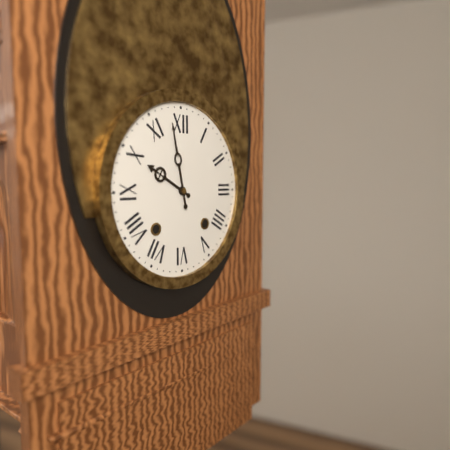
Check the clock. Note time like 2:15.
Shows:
9:58
